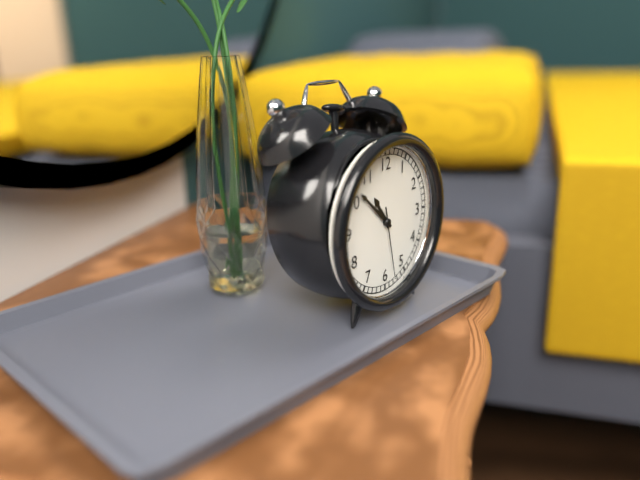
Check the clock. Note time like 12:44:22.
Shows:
10:52:28
